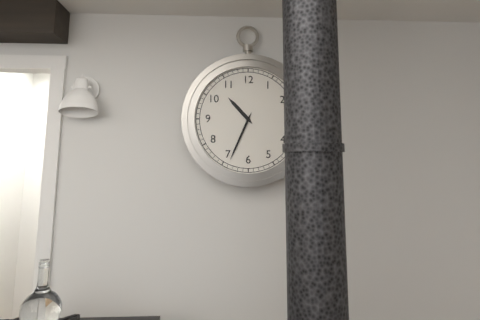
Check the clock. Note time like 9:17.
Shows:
10:34
